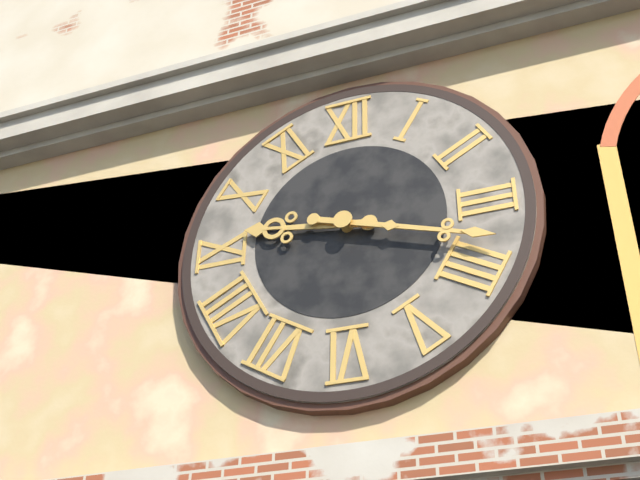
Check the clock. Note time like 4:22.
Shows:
9:18
